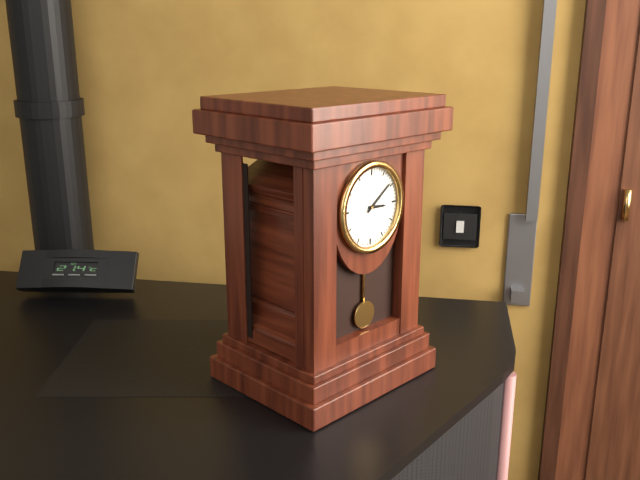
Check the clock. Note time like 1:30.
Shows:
3:09
